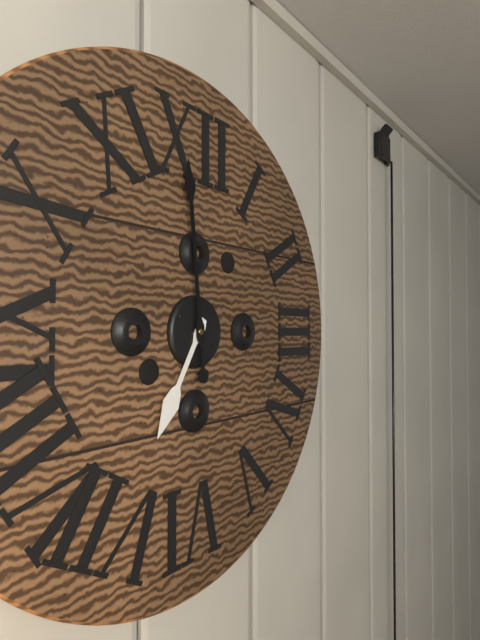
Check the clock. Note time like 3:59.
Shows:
6:59
